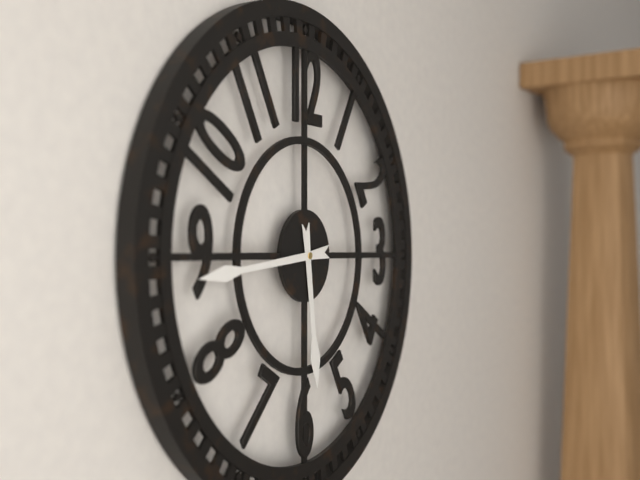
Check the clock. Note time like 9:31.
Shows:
5:44
